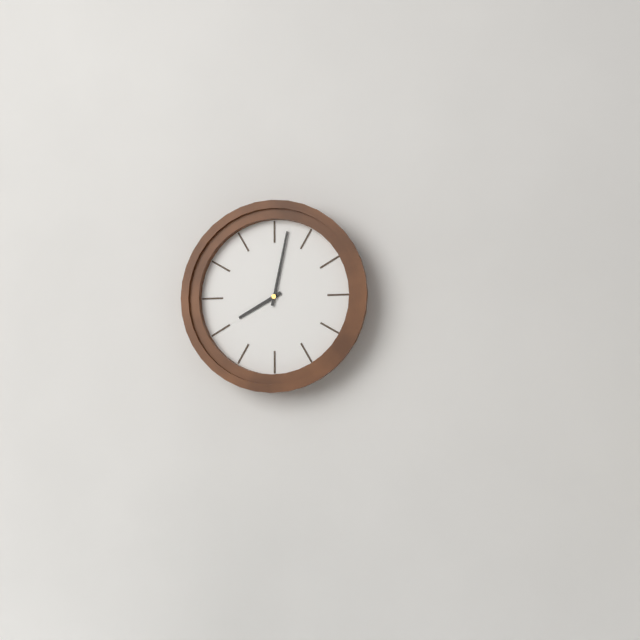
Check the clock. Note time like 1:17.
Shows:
8:02
